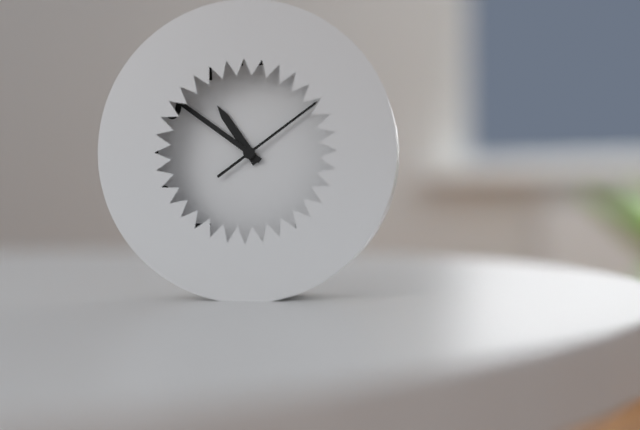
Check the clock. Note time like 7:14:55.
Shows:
10:51:09
